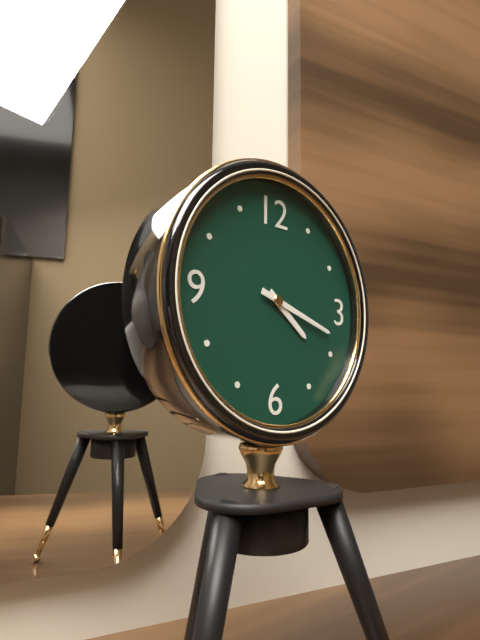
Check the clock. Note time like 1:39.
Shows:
4:18
